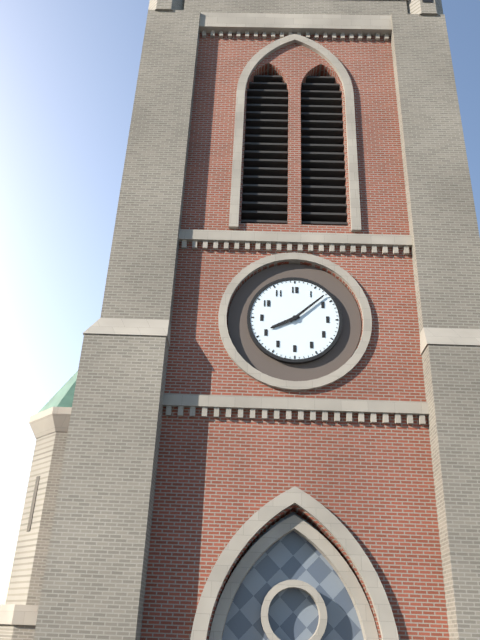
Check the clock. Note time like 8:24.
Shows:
8:08
